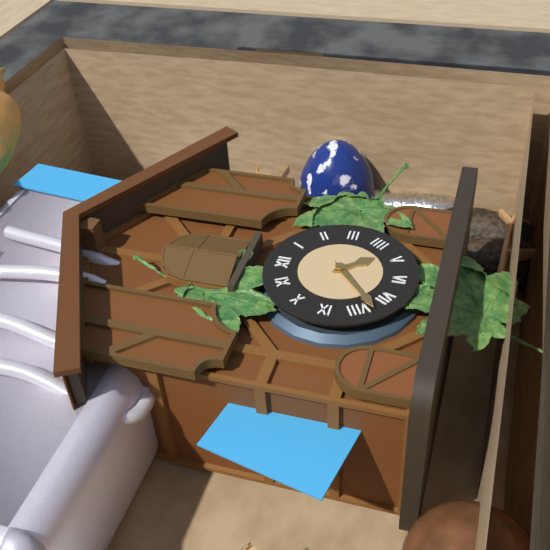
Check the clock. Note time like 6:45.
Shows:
4:38
